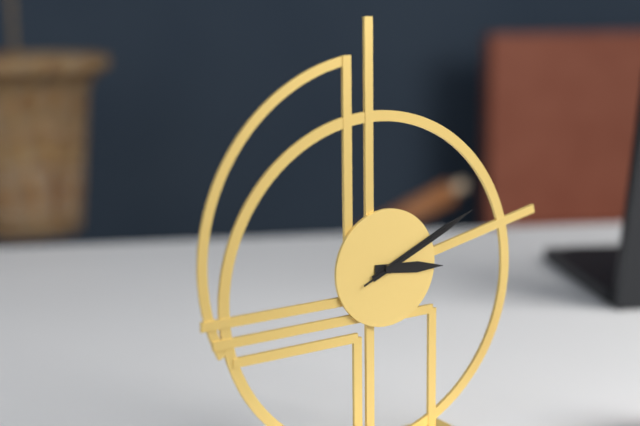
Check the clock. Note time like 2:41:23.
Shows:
3:11:11
